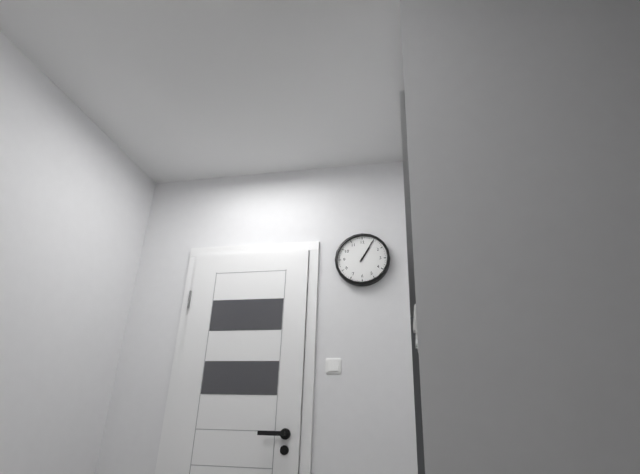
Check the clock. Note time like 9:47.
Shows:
1:05
